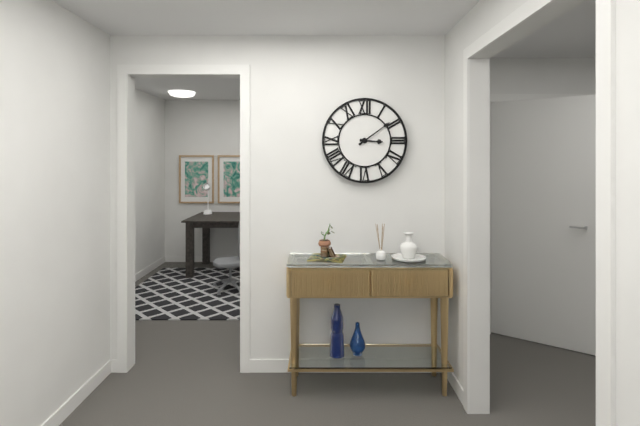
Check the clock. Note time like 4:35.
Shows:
3:09
